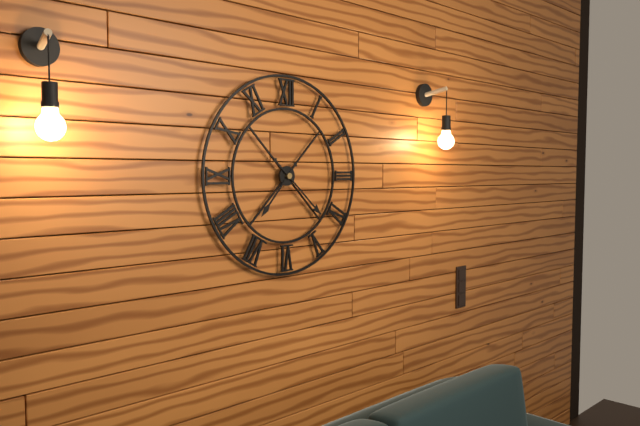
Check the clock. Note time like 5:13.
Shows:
7:22
